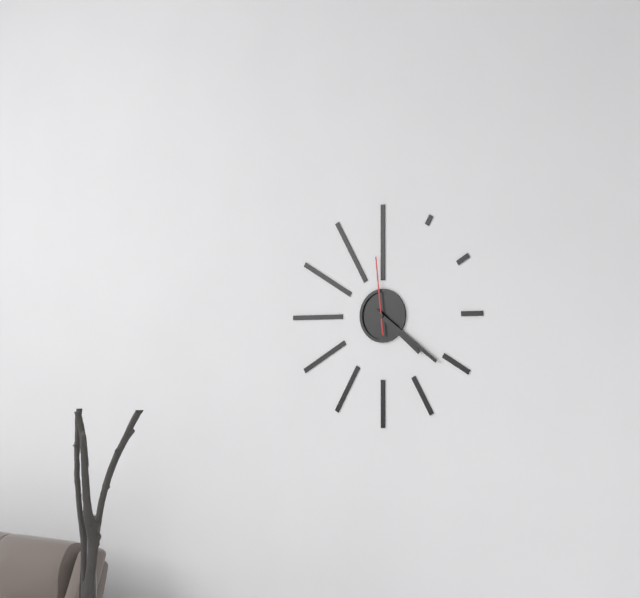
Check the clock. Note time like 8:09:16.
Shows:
4:21:59
